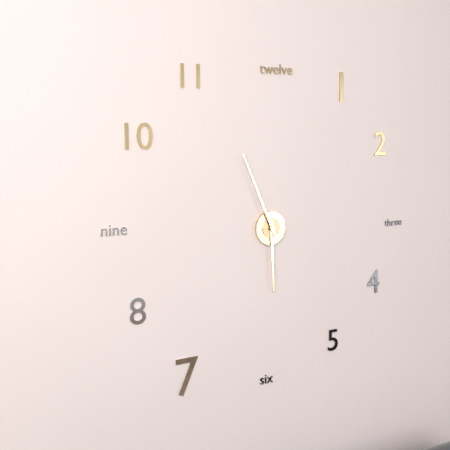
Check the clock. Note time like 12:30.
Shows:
5:56
